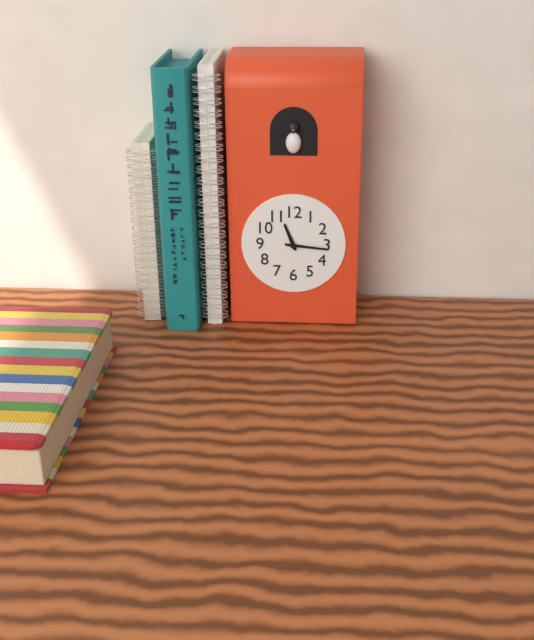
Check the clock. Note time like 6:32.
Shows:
11:16
